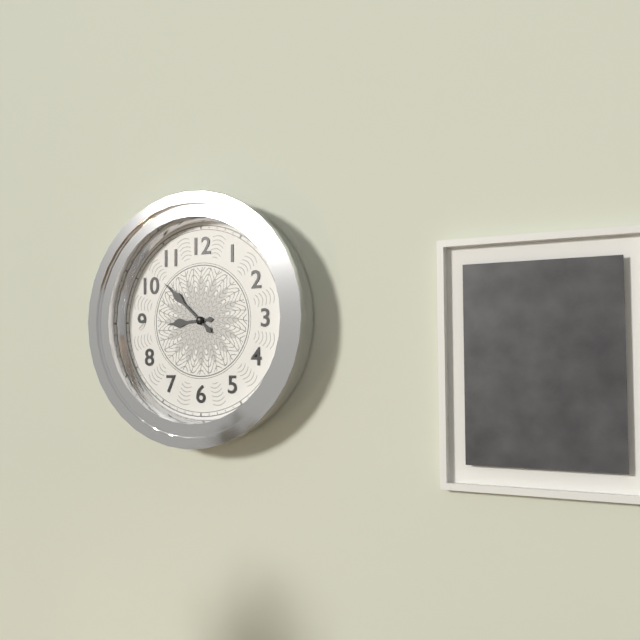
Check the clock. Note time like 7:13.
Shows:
8:52
